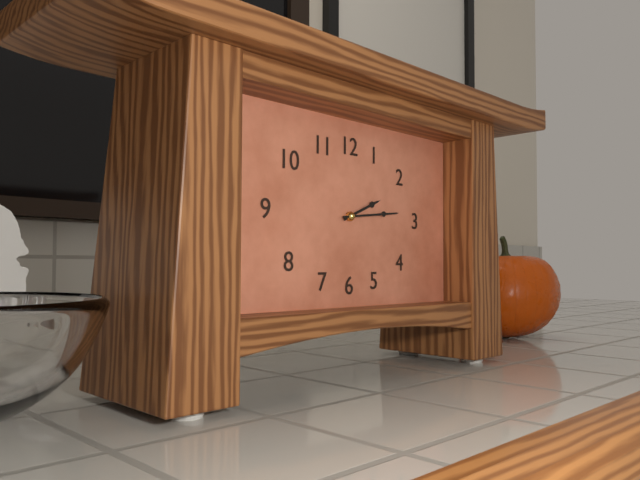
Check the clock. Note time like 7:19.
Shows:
2:14
